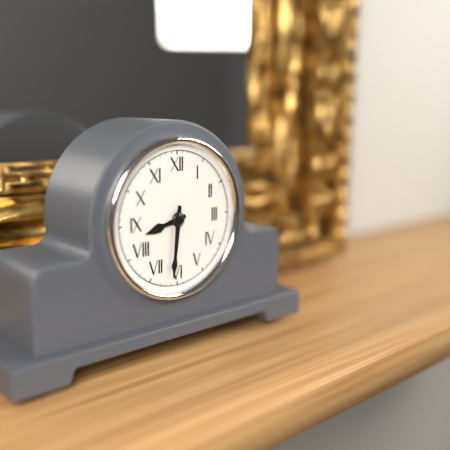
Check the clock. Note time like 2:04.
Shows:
8:31
